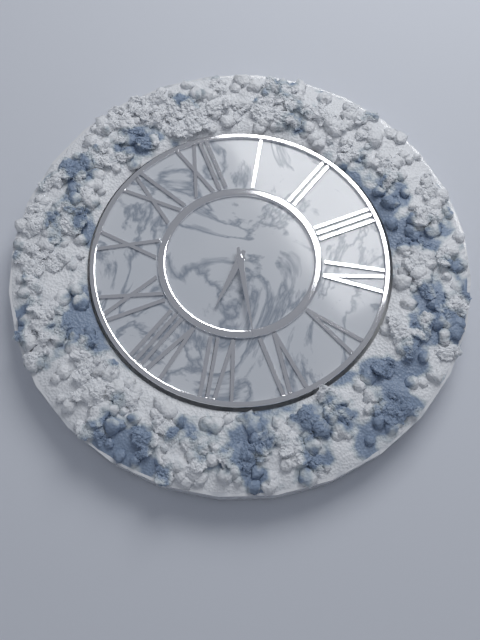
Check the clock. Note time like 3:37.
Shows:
7:32
